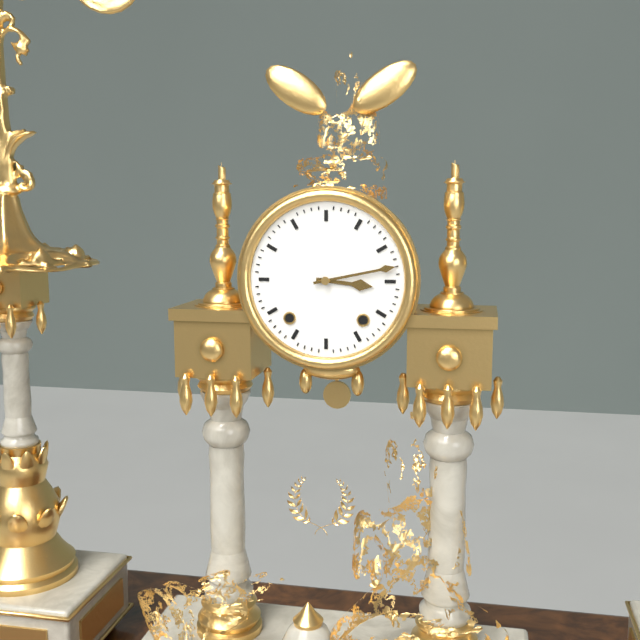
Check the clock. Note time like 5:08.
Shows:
3:13
